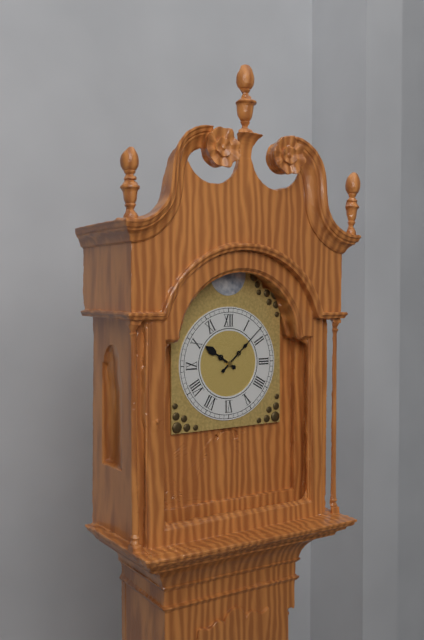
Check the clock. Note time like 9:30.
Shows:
10:08
